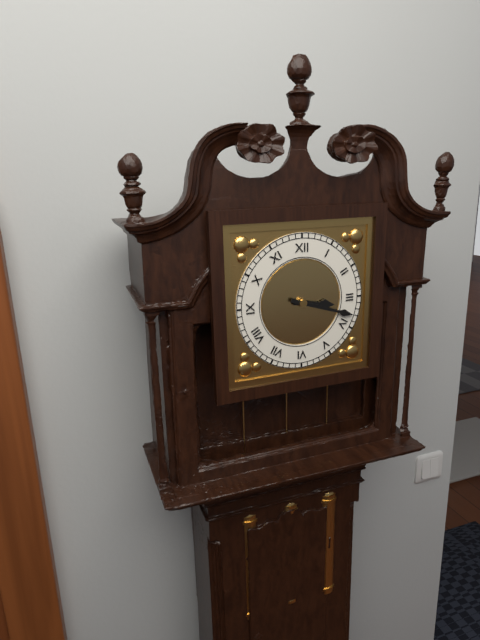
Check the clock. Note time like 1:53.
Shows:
3:18
